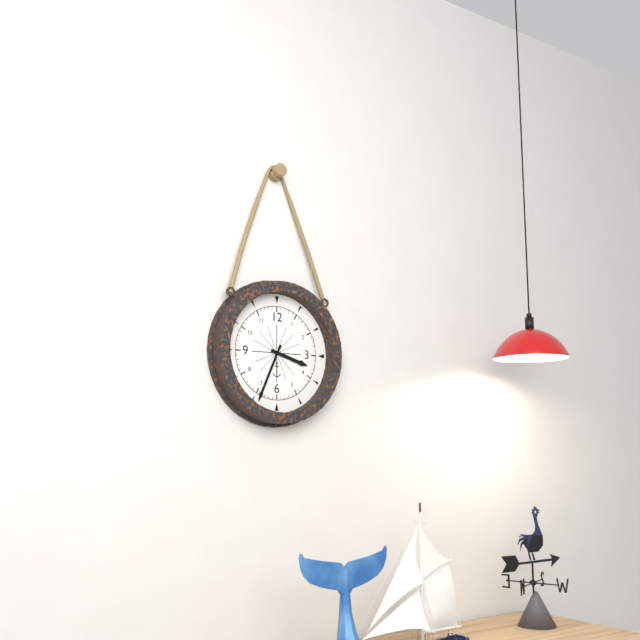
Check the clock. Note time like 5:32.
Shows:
3:34
